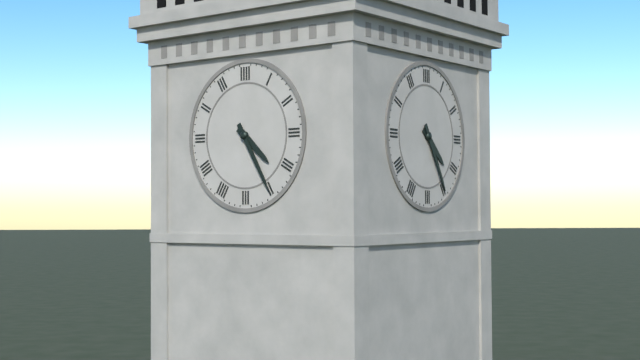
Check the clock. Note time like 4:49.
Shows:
4:25
